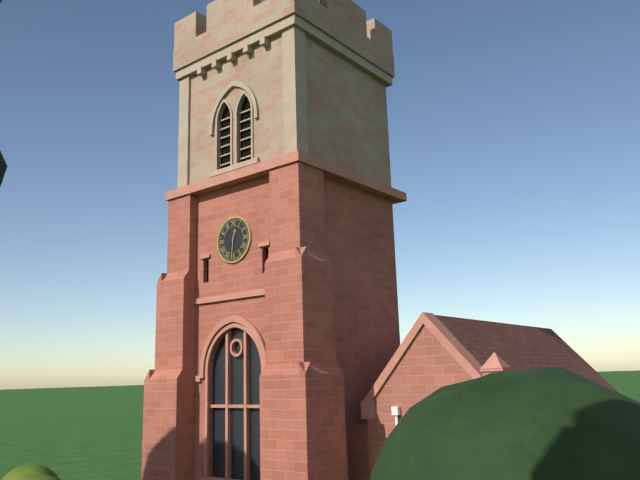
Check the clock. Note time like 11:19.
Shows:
12:31
